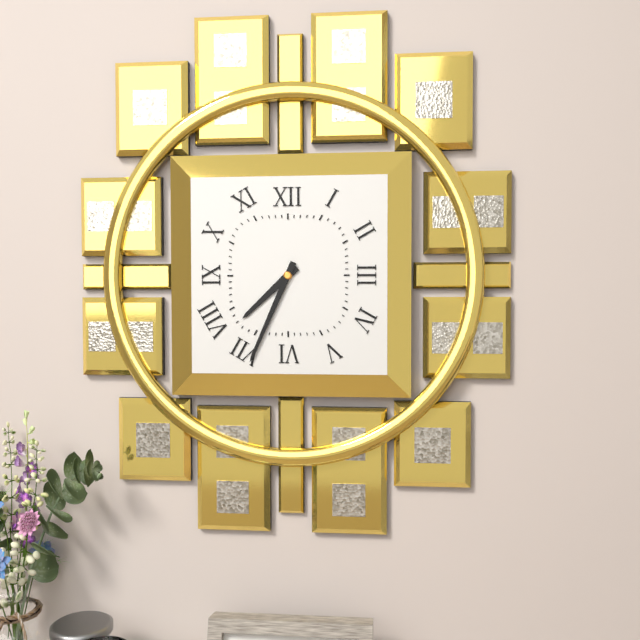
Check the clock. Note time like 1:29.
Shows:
7:34
